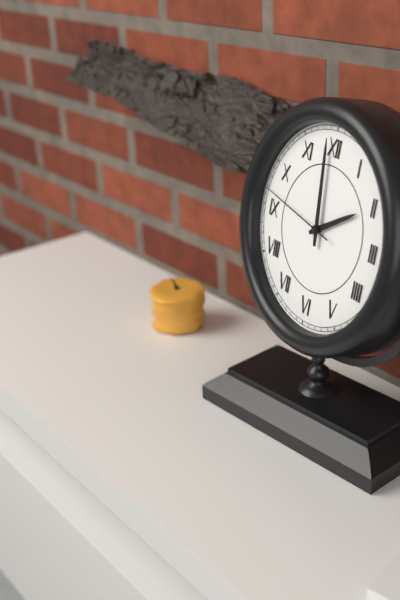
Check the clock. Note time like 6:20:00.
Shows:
1:59:47
